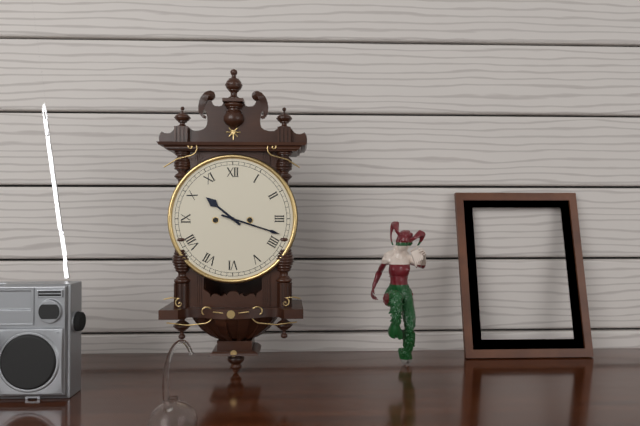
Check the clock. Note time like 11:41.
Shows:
10:18
